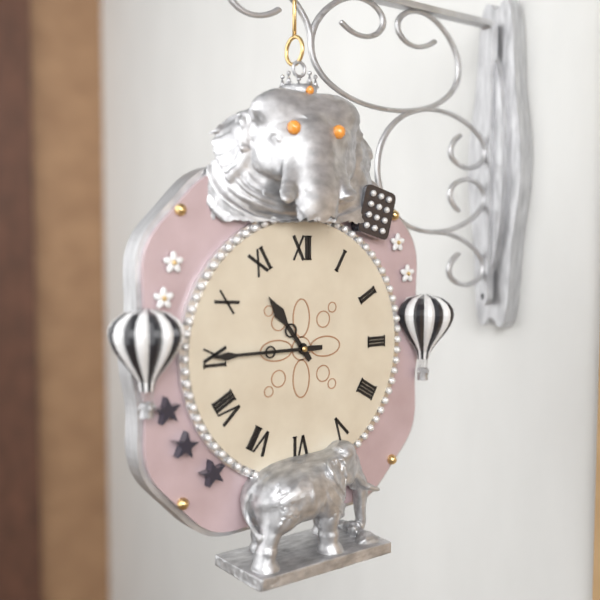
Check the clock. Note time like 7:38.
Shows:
10:45
